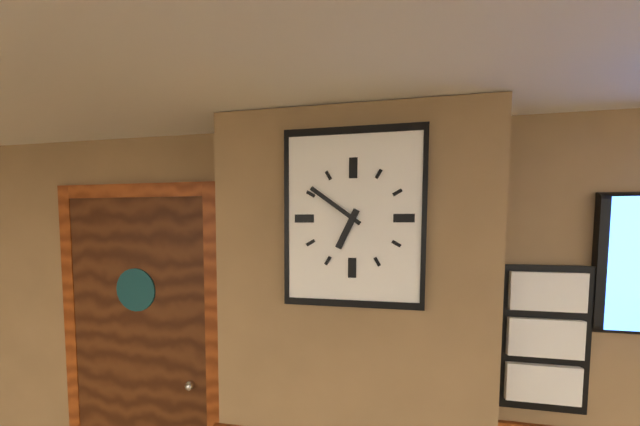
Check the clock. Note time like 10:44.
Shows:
6:51
